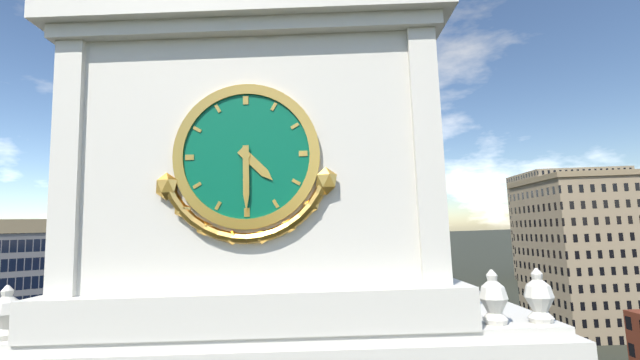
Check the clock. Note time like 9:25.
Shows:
4:30
